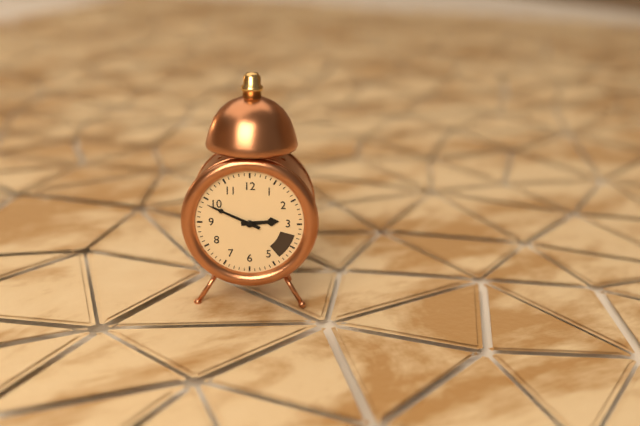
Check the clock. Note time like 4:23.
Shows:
2:49
